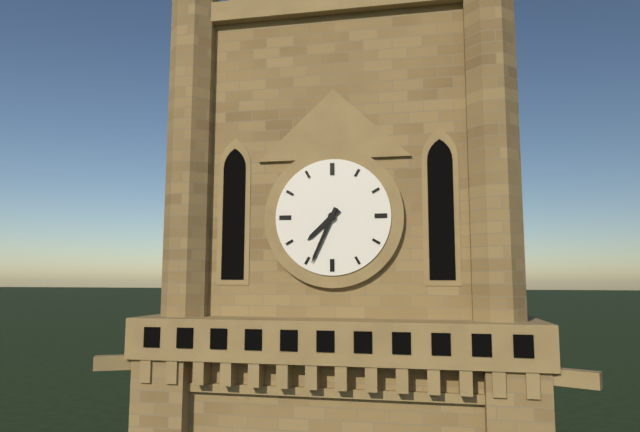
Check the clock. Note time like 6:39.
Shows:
7:34
